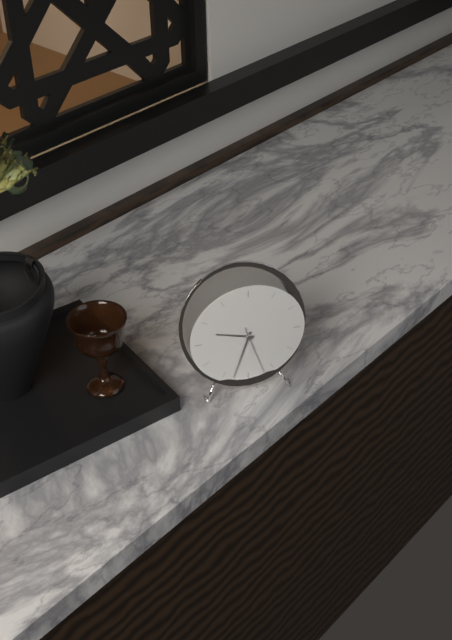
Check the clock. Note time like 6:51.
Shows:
9:33
